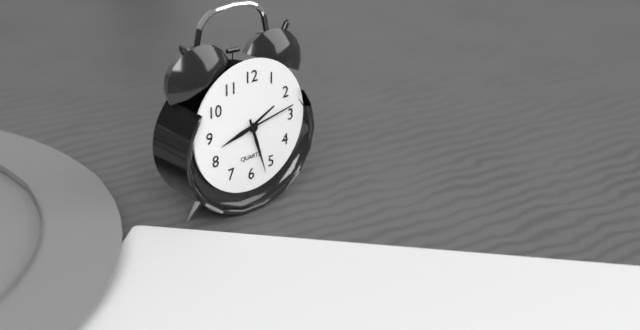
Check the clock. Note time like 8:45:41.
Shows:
8:27:13
